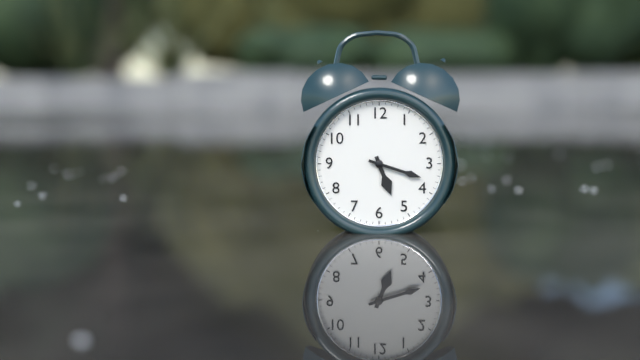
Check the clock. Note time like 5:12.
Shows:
5:18
